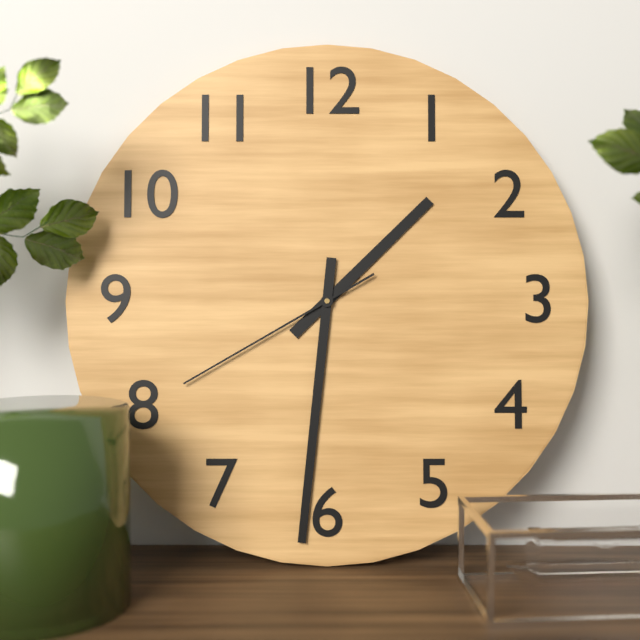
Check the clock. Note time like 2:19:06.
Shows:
1:31:40
